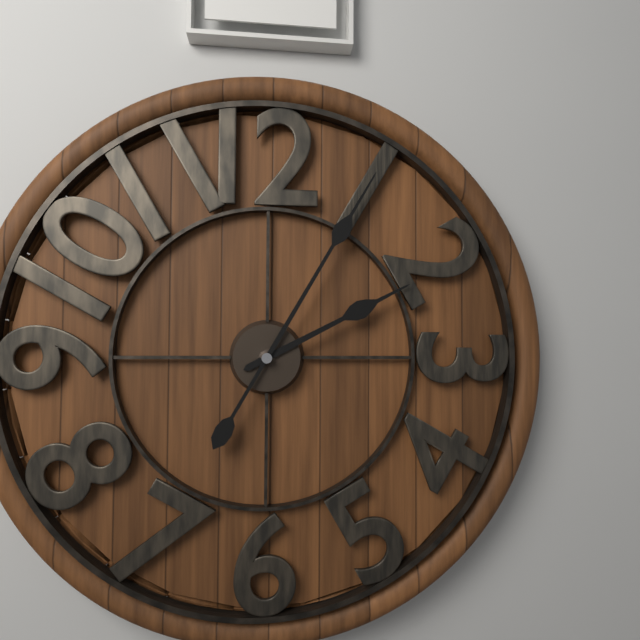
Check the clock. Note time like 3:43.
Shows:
2:05
